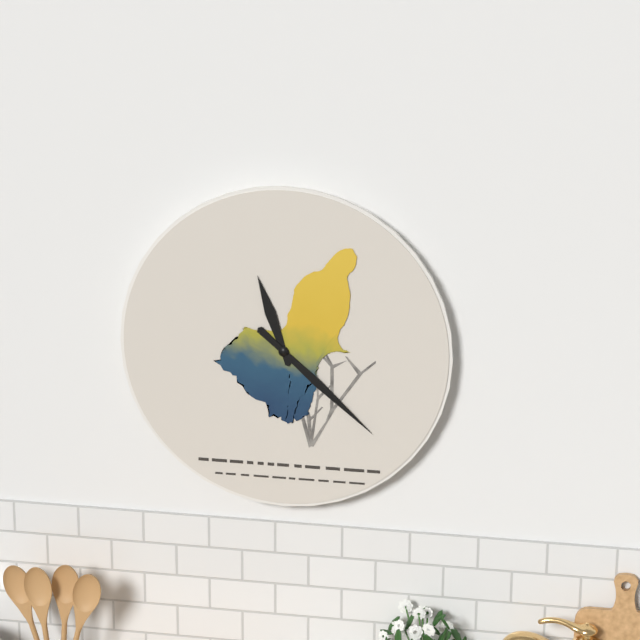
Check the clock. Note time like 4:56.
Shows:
11:22
